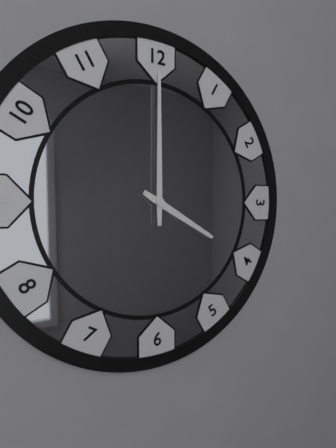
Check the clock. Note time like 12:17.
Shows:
4:00
